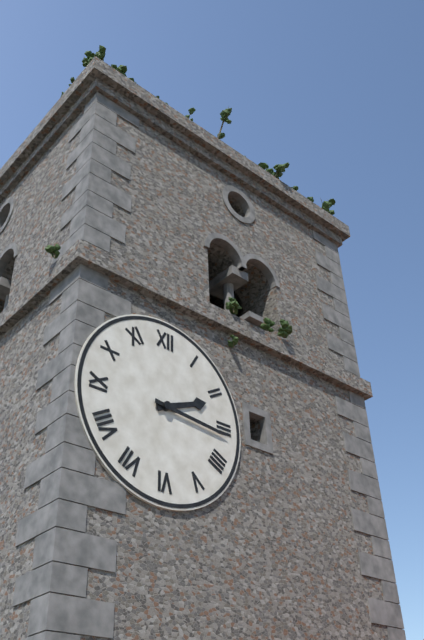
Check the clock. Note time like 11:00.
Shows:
2:16
